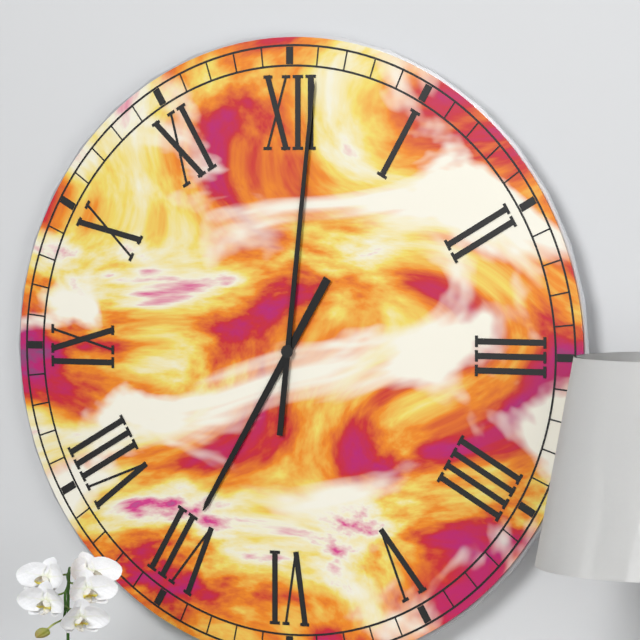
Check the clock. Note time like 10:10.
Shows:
7:01
